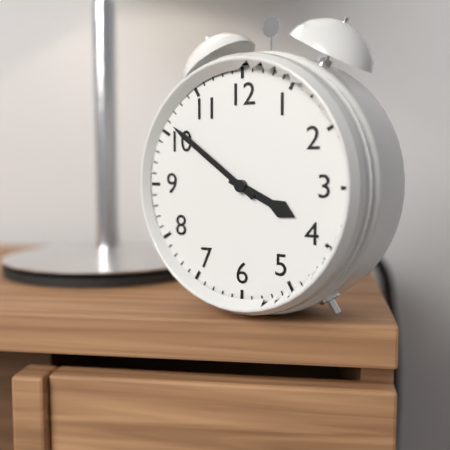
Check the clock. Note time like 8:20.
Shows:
3:51
